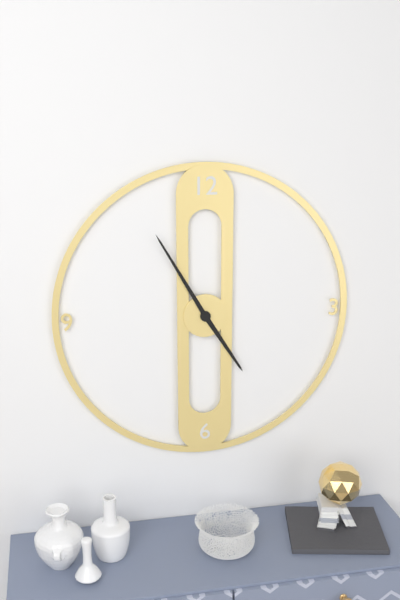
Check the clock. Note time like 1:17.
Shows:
4:55
